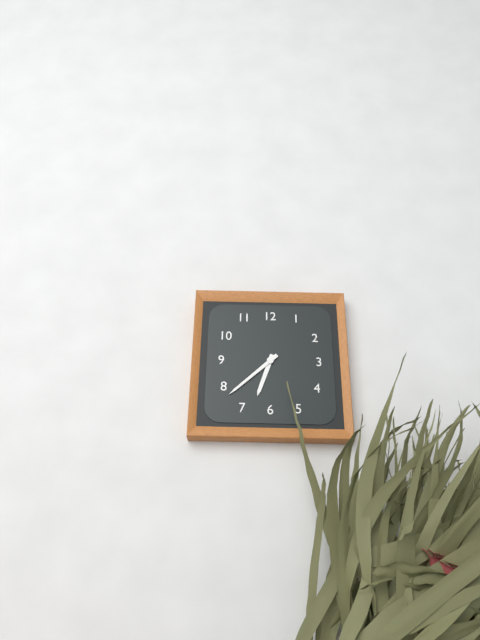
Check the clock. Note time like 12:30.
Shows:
6:38
